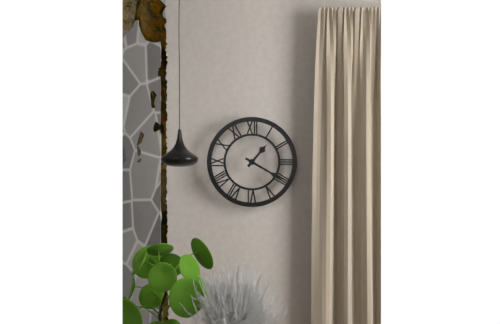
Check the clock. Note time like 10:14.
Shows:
1:20
